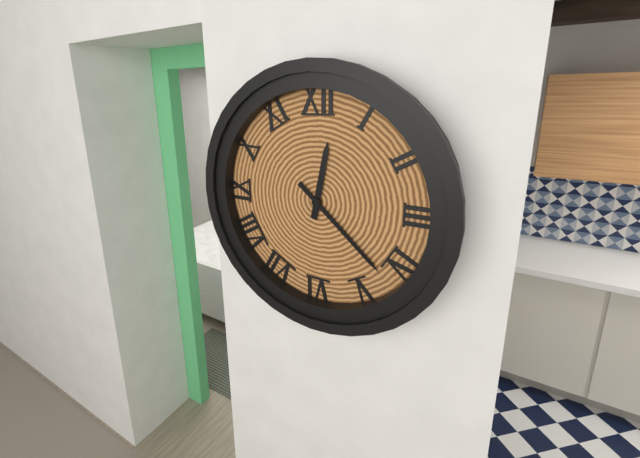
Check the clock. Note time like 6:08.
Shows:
12:22
